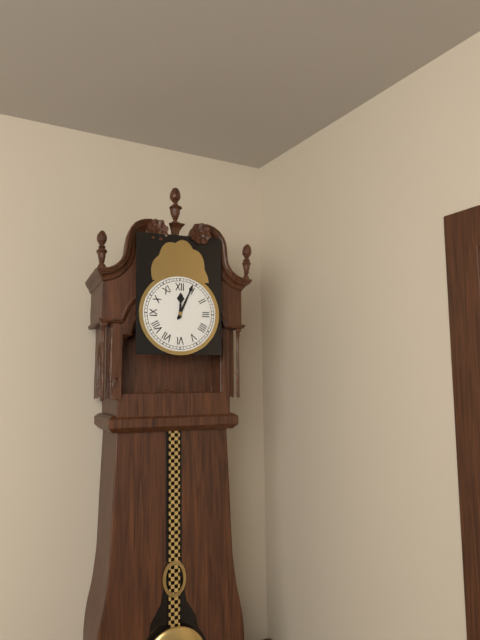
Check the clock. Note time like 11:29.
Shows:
12:04
